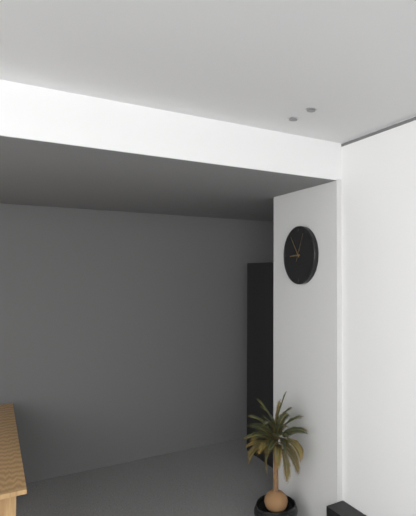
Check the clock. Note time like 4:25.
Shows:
8:54
